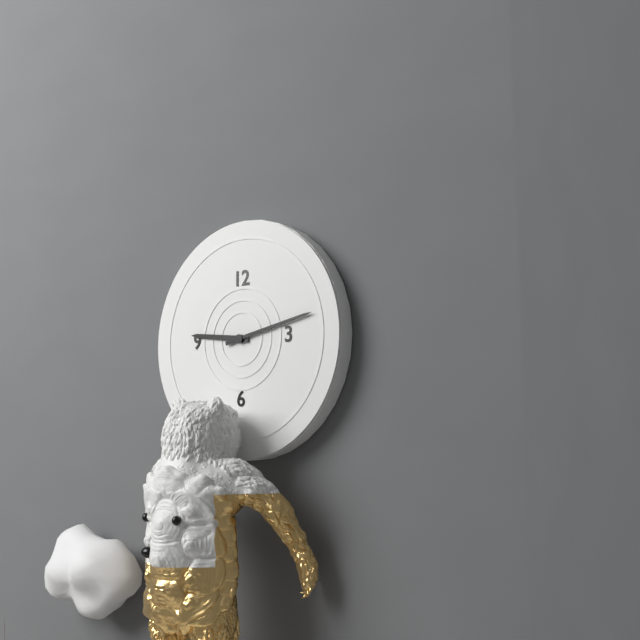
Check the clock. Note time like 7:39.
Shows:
9:13
